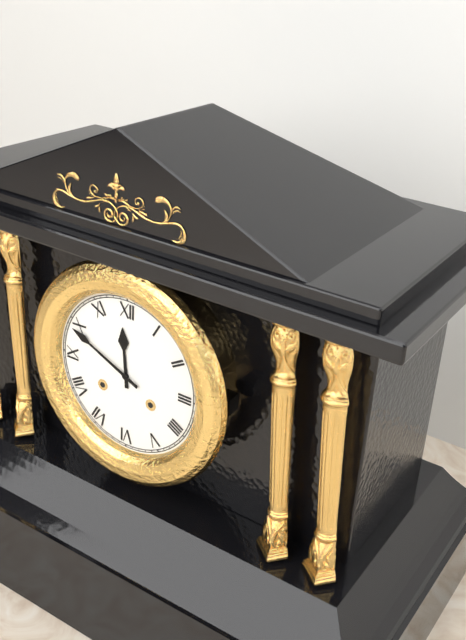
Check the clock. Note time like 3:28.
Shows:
11:49
